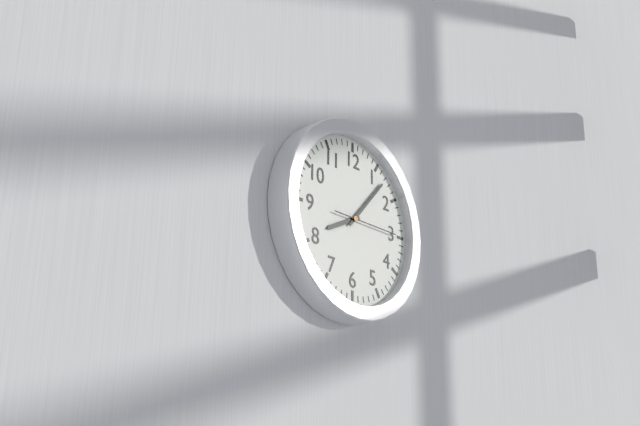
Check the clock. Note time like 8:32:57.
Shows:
8:07:15
